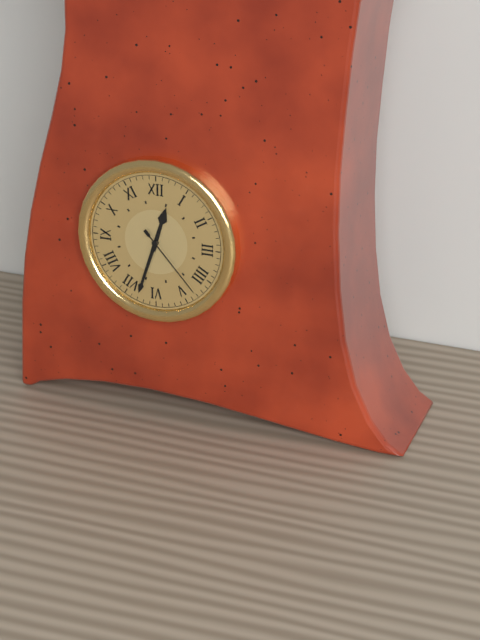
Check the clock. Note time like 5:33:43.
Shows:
12:33:23
